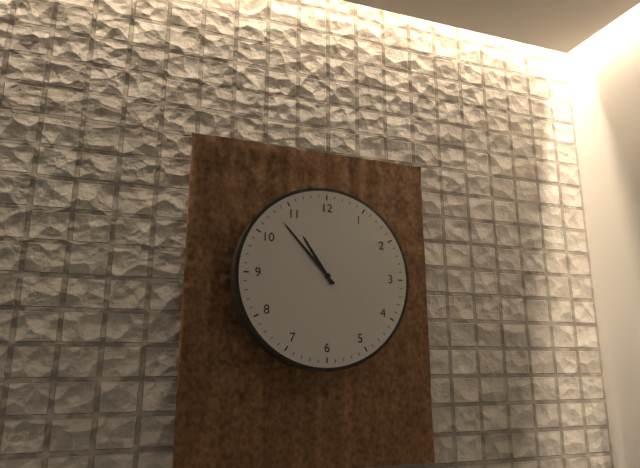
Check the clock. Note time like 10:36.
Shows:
10:53
